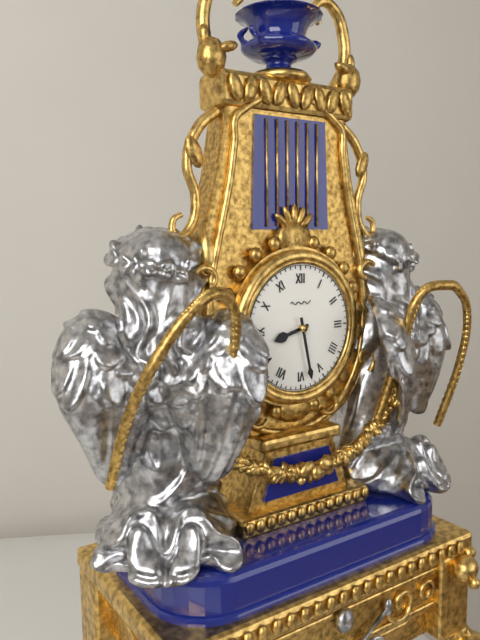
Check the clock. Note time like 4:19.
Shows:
8:28
